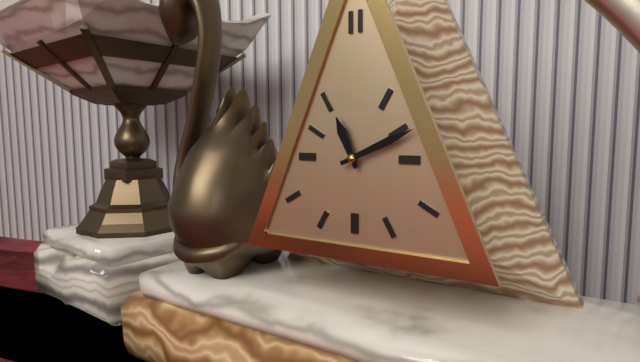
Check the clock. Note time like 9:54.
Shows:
11:11
